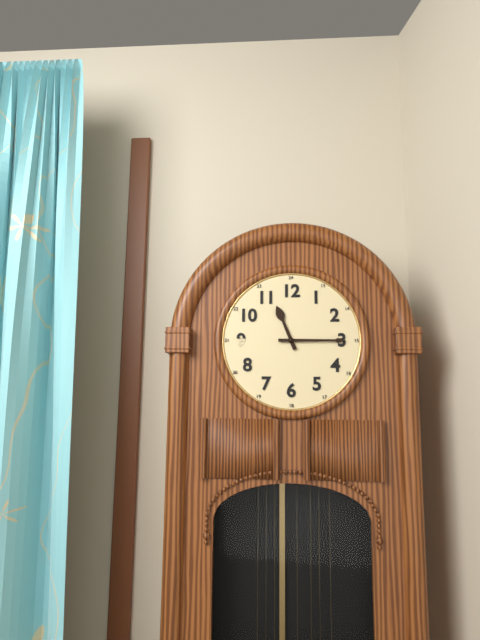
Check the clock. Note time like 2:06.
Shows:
11:15
